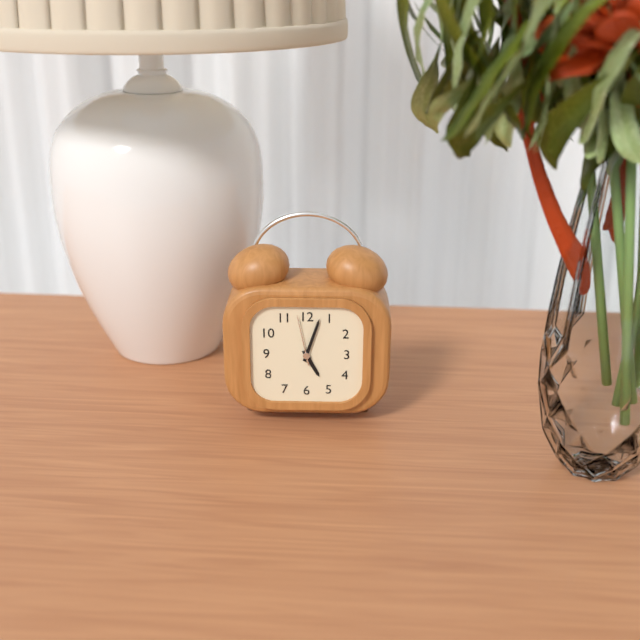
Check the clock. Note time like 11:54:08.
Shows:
5:03:58
